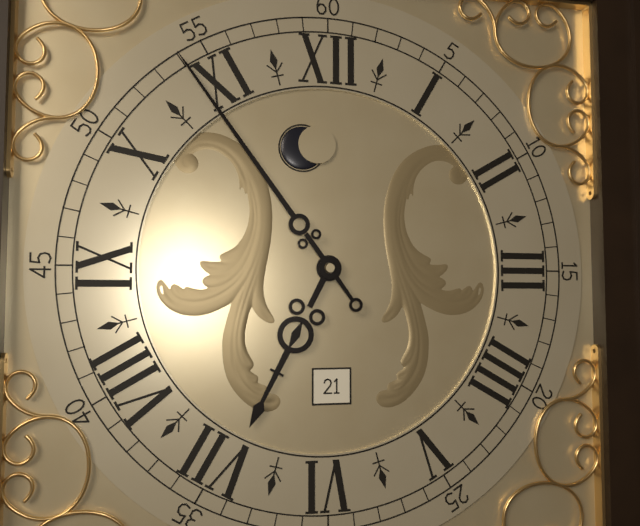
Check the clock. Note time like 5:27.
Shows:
6:54
